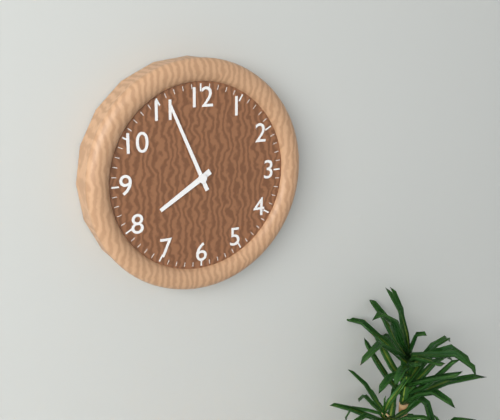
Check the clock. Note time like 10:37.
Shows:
7:56
